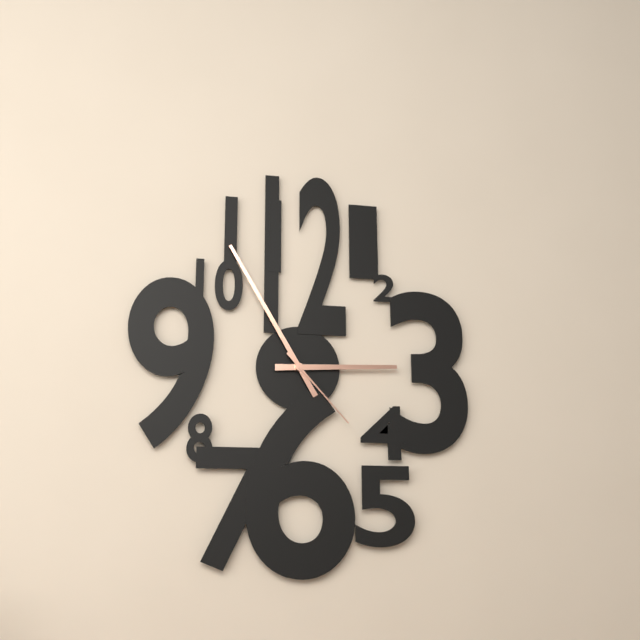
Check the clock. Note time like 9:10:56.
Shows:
2:55:23
